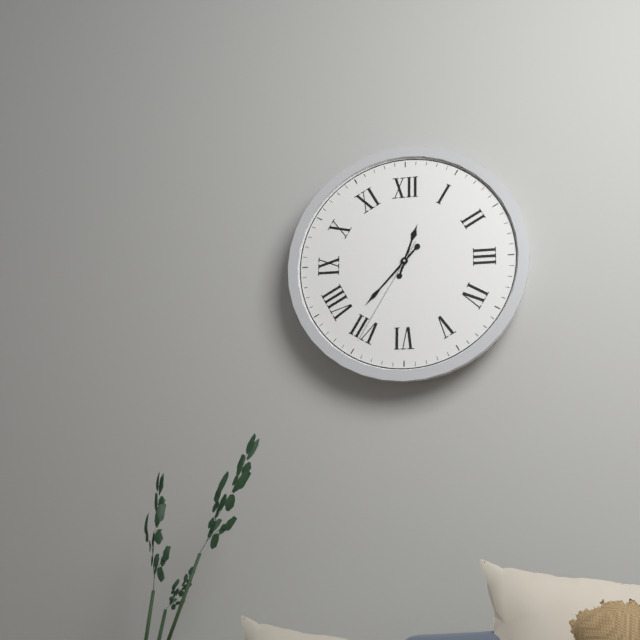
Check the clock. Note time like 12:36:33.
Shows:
12:37:35
